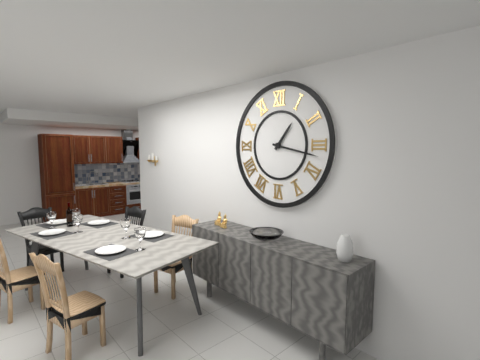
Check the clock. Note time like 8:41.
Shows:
1:17
